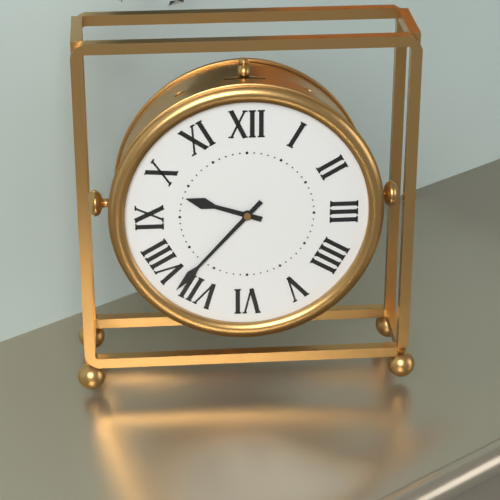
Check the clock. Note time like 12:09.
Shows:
9:37
